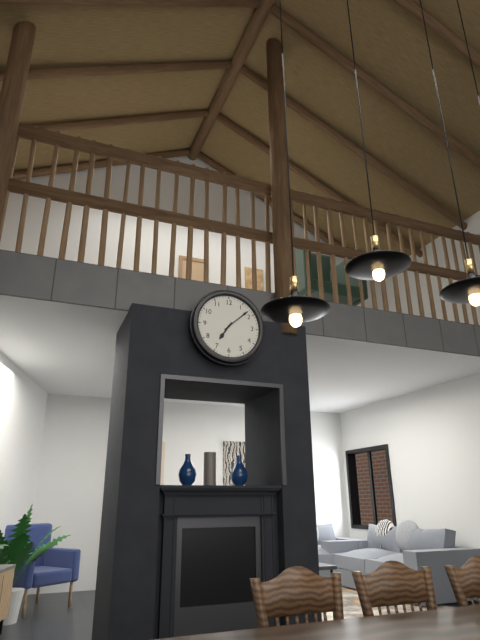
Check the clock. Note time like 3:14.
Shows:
7:08
